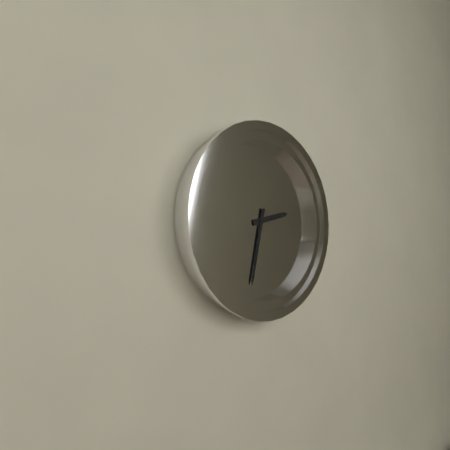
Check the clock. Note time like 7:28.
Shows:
2:32
